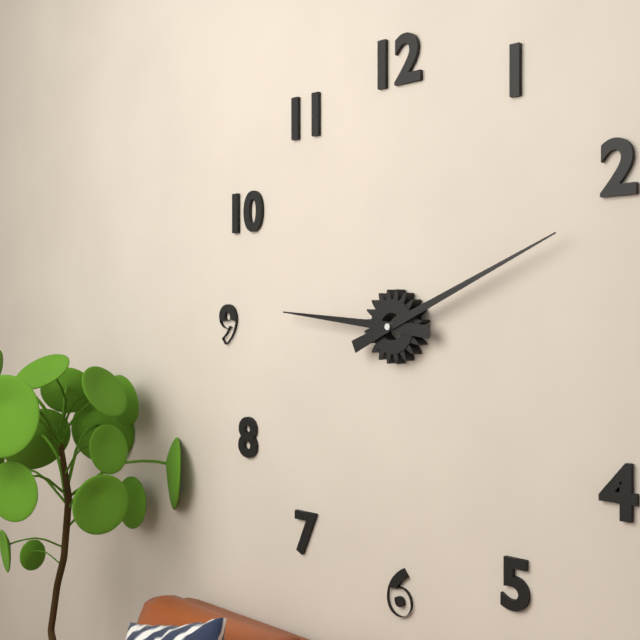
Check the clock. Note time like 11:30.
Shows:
9:11
